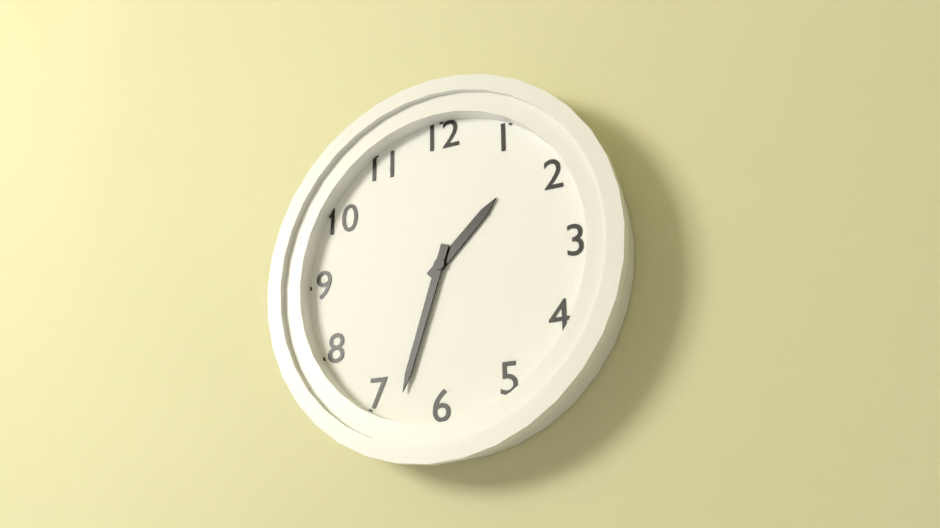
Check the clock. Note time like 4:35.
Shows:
1:33
